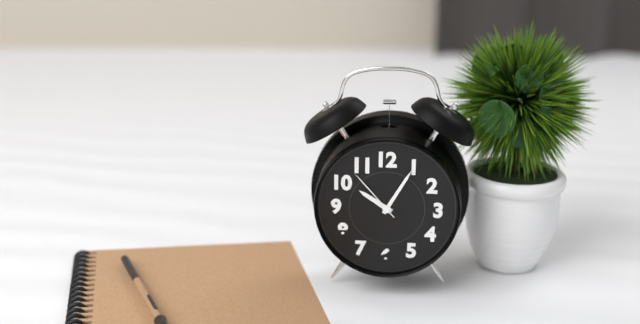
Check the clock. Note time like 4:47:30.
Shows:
10:05:53
